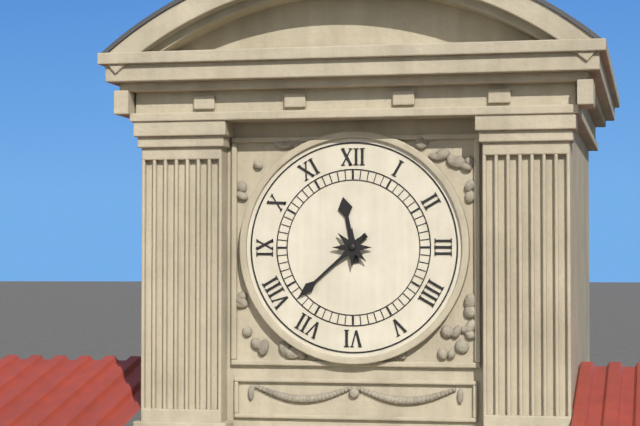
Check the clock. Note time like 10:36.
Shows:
11:38
